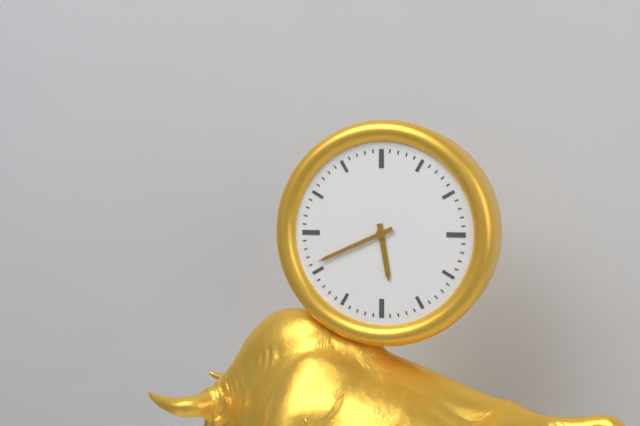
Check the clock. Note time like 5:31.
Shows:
5:41
